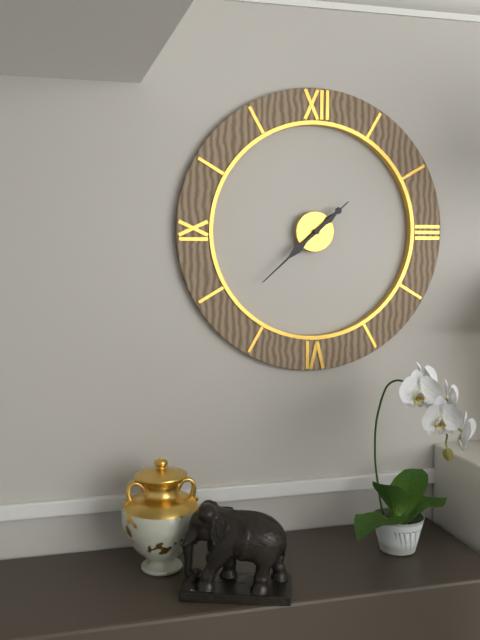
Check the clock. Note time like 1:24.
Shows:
1:38
